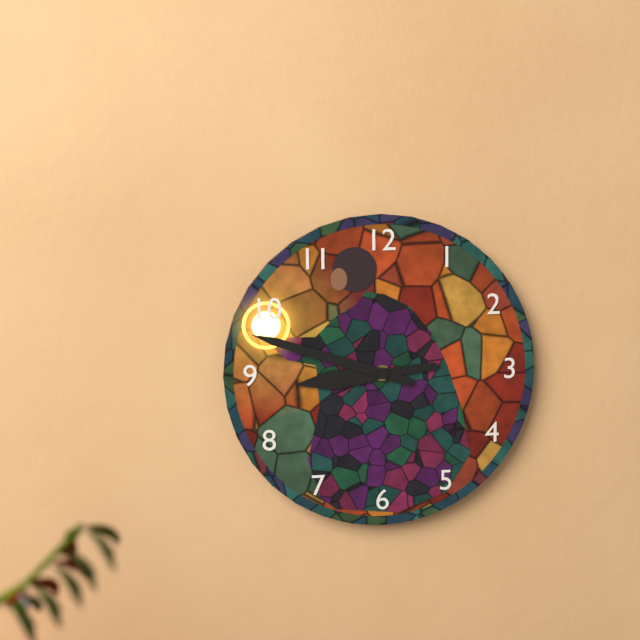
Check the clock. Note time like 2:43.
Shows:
8:48
